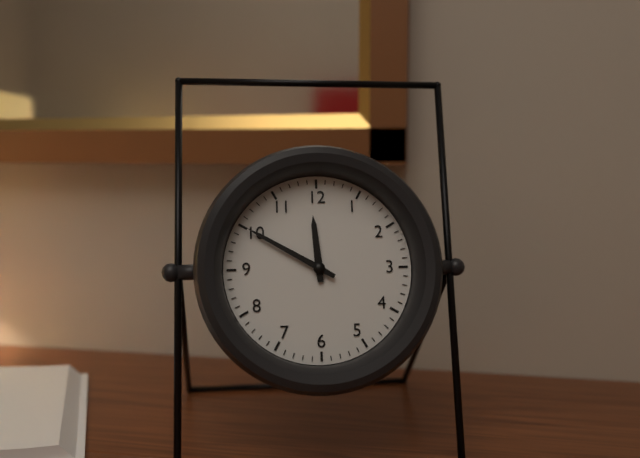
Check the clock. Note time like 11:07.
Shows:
11:50
